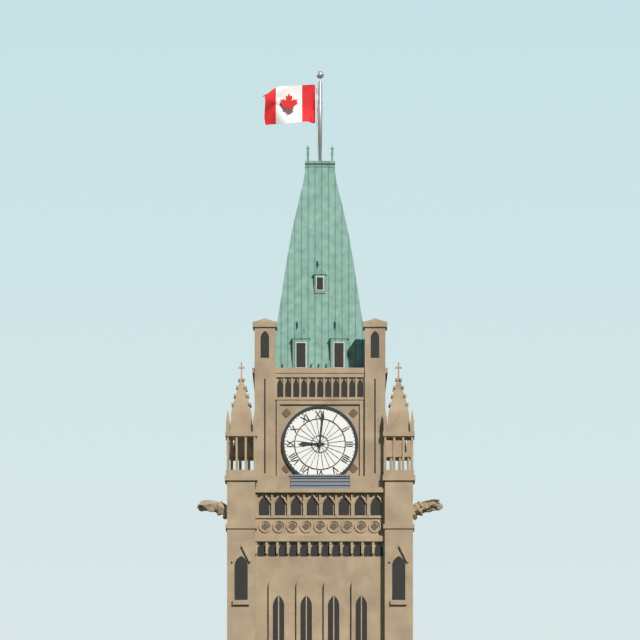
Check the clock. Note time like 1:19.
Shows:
9:01
